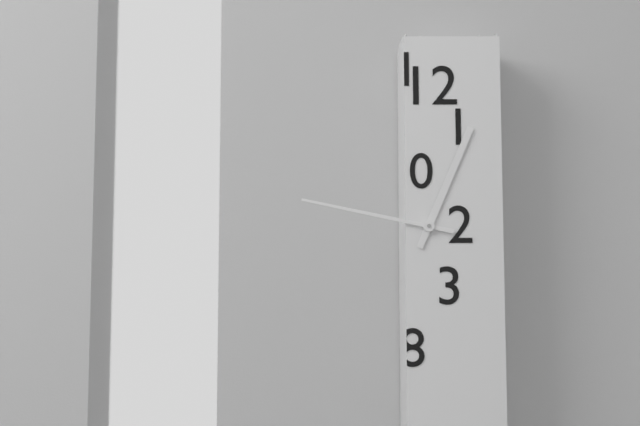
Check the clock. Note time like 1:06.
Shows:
12:47
